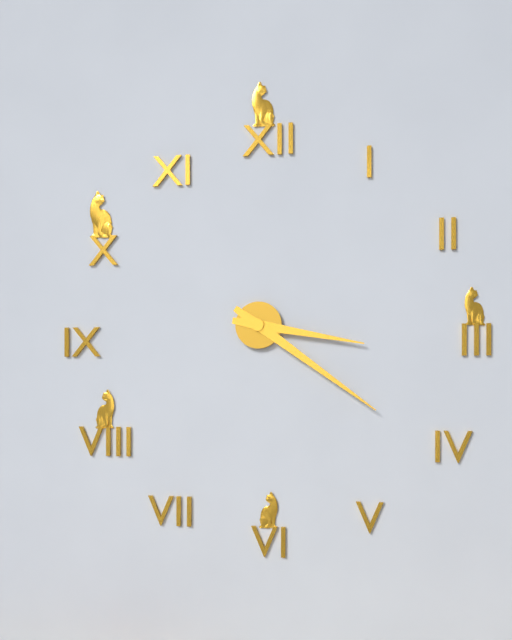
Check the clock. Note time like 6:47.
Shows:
3:21
